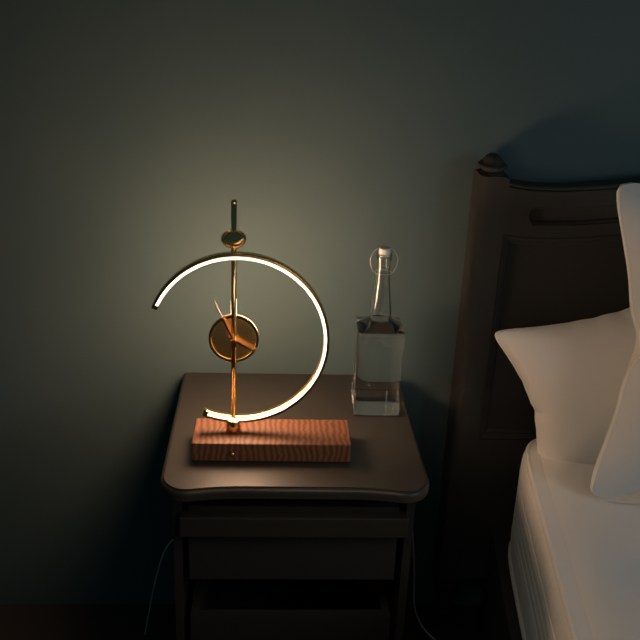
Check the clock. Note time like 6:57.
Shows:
3:56
